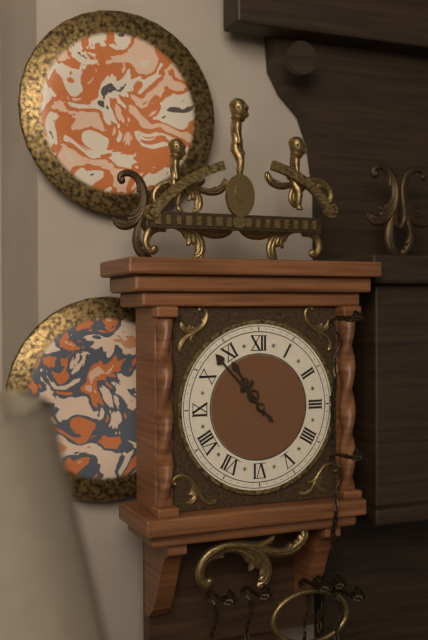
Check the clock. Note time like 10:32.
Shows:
10:53
